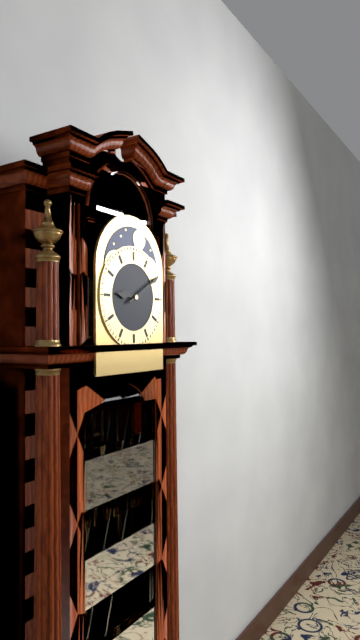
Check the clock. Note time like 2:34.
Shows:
9:10
